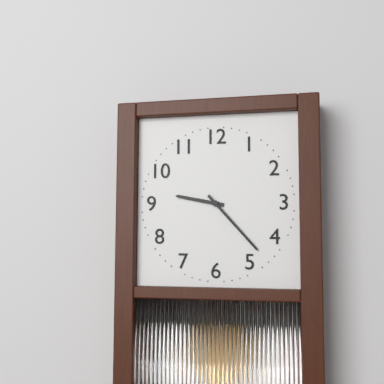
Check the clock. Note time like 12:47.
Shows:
9:23
